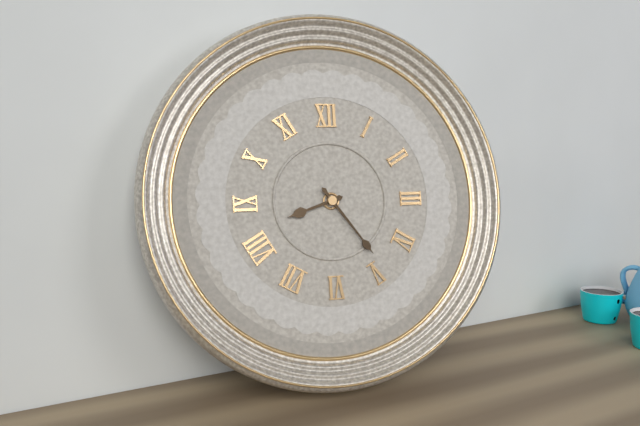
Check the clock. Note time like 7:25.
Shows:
8:24
